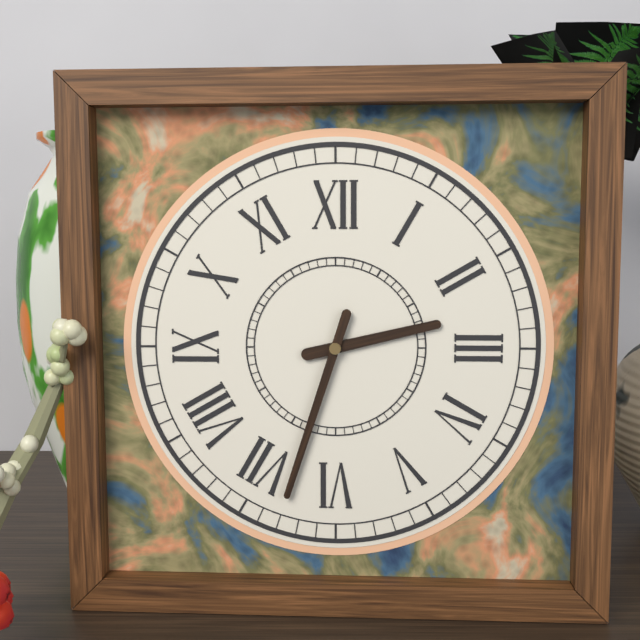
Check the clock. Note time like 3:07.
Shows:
2:33
